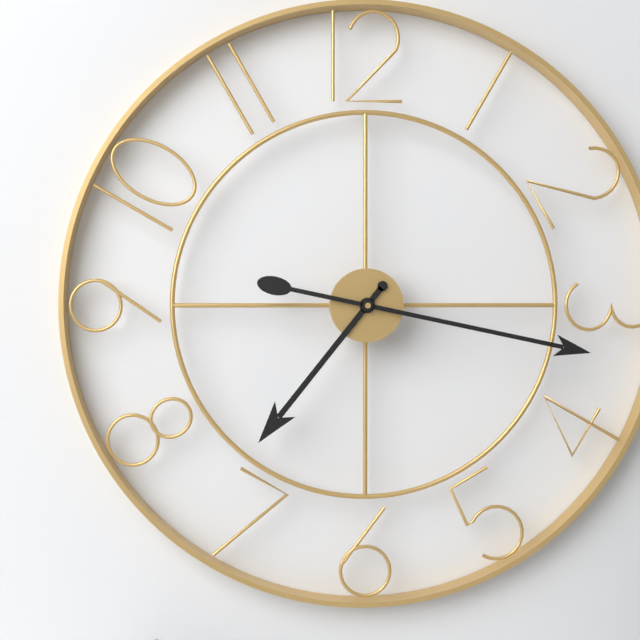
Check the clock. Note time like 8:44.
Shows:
7:17
